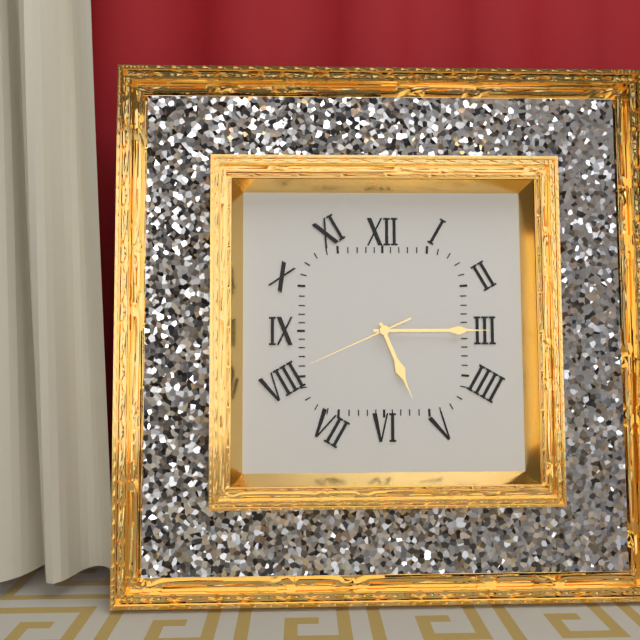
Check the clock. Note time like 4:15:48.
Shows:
5:15:41
